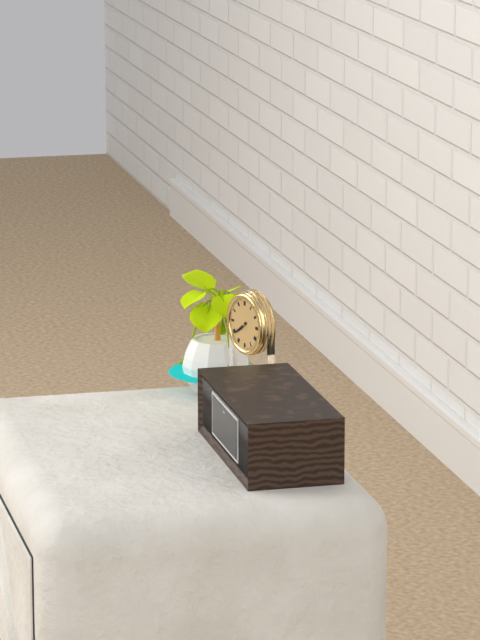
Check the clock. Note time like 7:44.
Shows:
7:39
